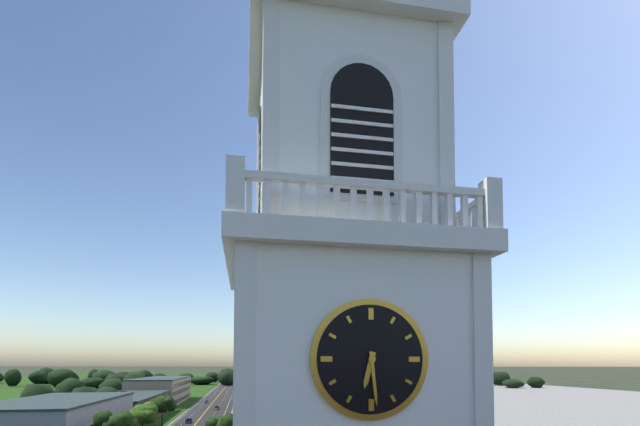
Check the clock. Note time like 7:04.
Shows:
6:29
